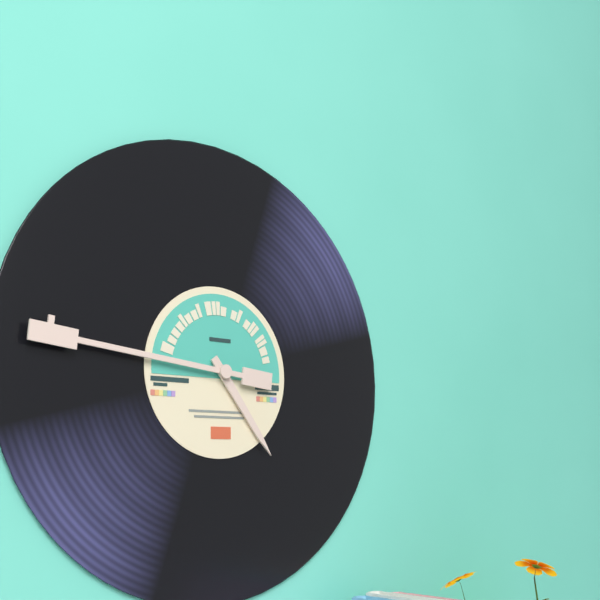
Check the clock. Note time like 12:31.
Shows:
4:46
